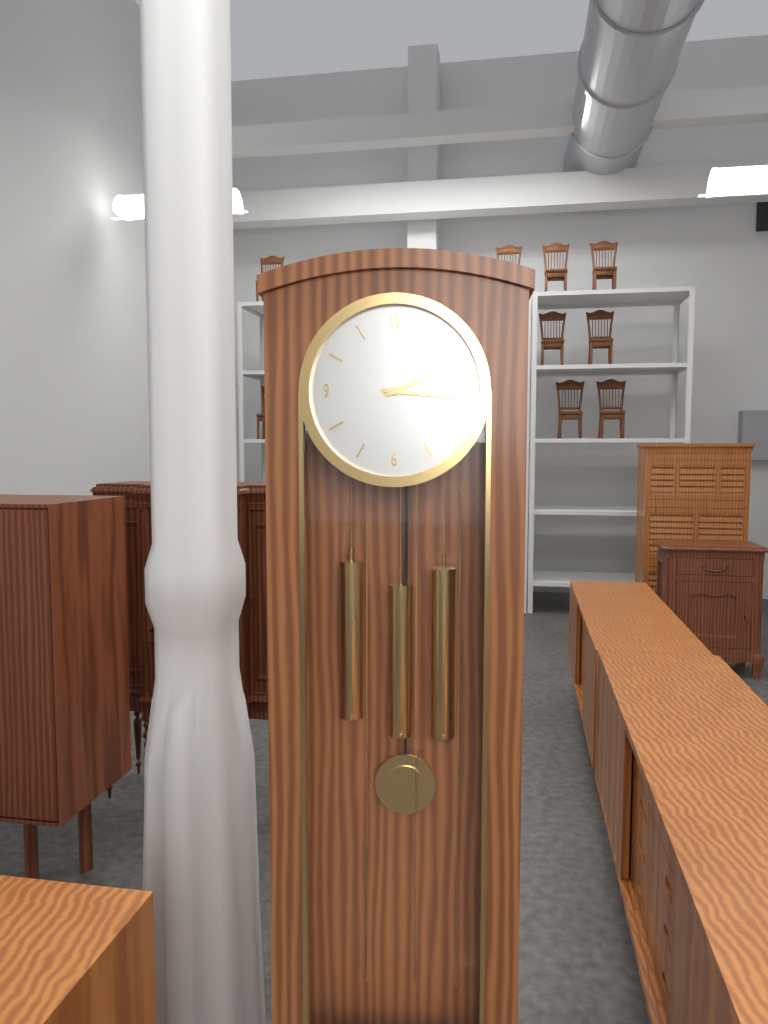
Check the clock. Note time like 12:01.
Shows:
2:16
